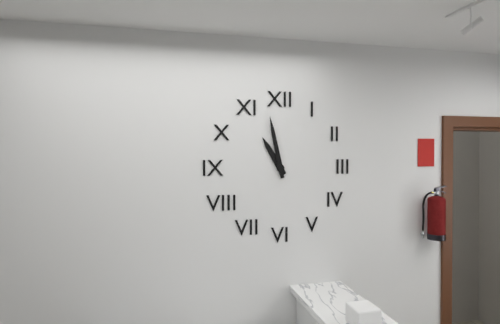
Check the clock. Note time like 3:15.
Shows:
10:58
